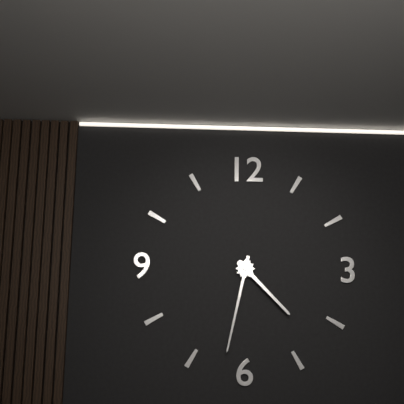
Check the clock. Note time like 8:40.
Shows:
4:32
